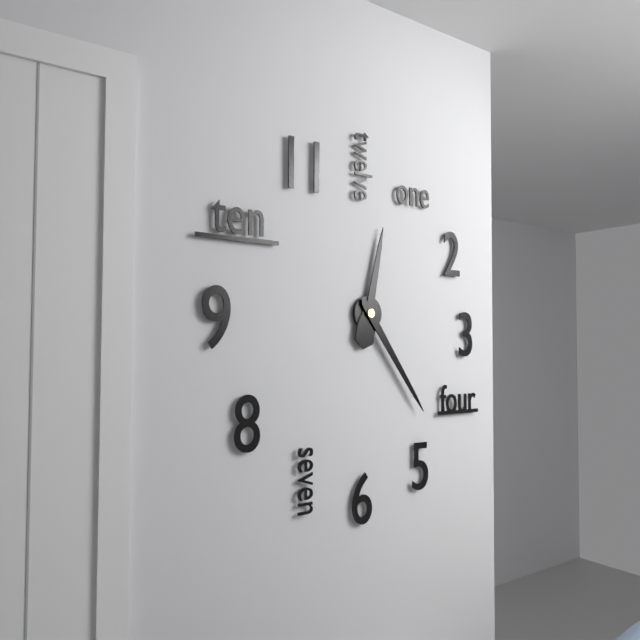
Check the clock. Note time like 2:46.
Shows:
12:24
